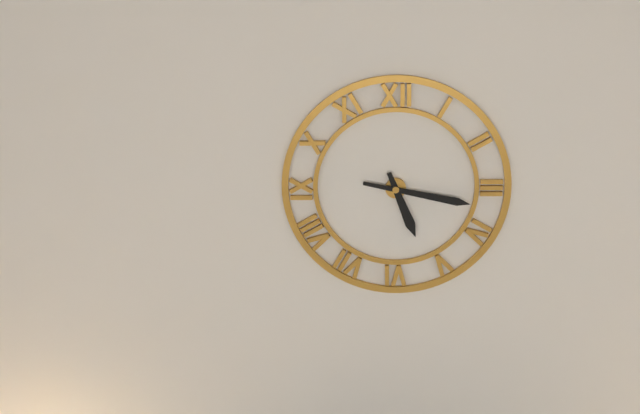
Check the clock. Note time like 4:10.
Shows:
5:17
